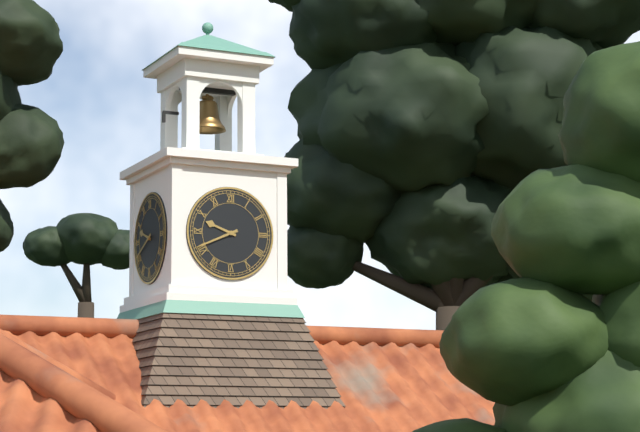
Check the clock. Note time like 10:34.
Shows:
9:41
